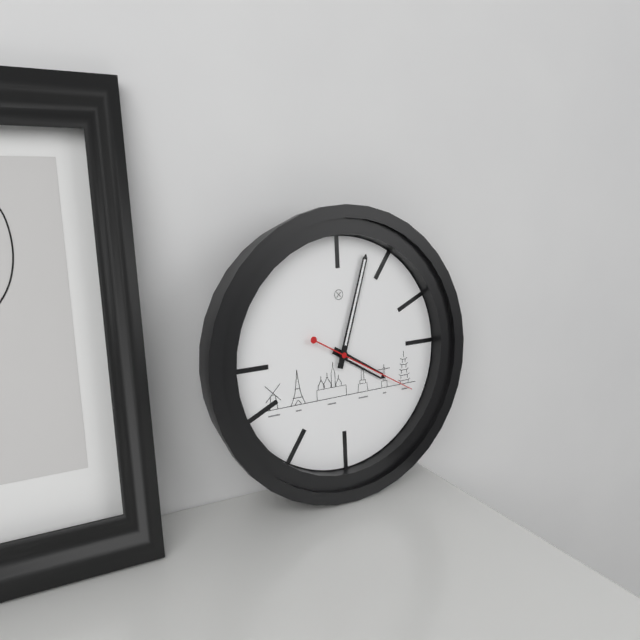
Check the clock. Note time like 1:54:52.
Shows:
4:03:20
